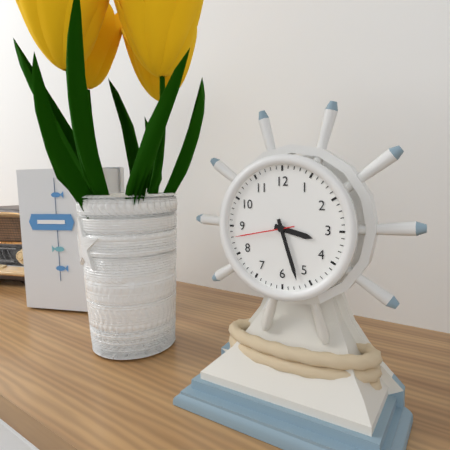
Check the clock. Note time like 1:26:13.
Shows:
3:27:43
